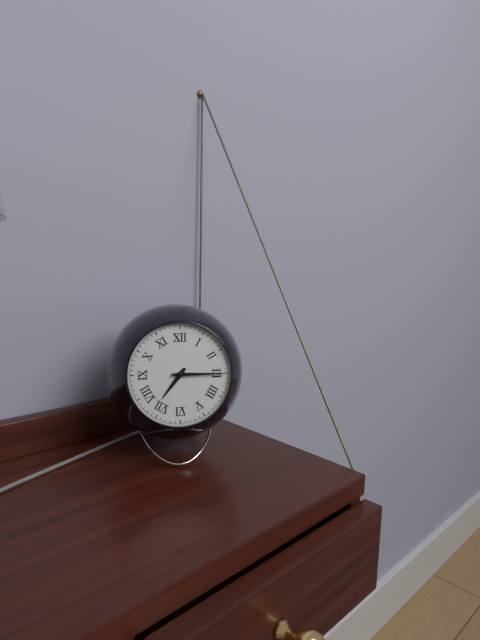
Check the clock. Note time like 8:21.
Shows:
7:15
